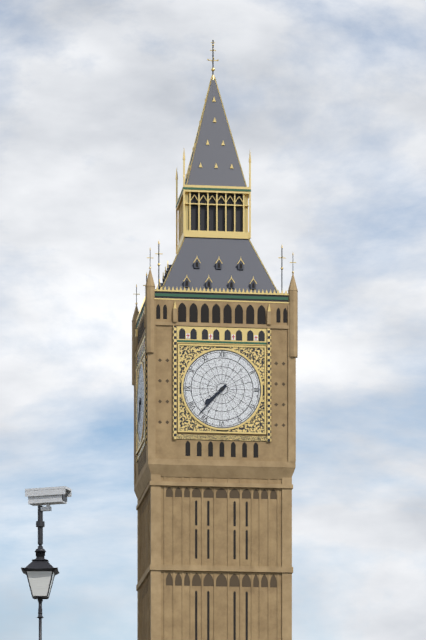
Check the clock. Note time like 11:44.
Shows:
7:37
